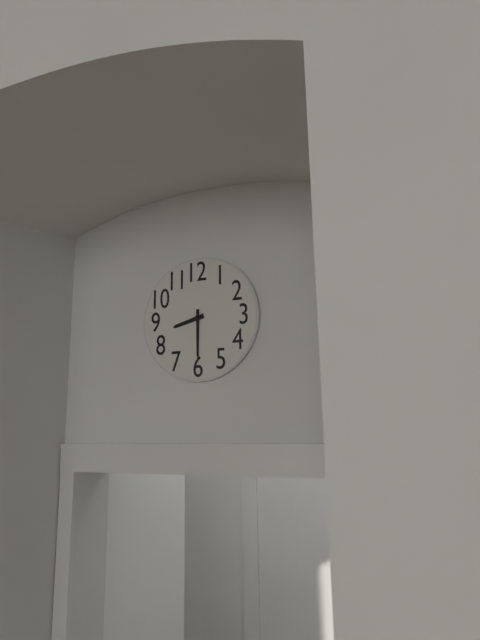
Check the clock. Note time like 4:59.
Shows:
8:30
